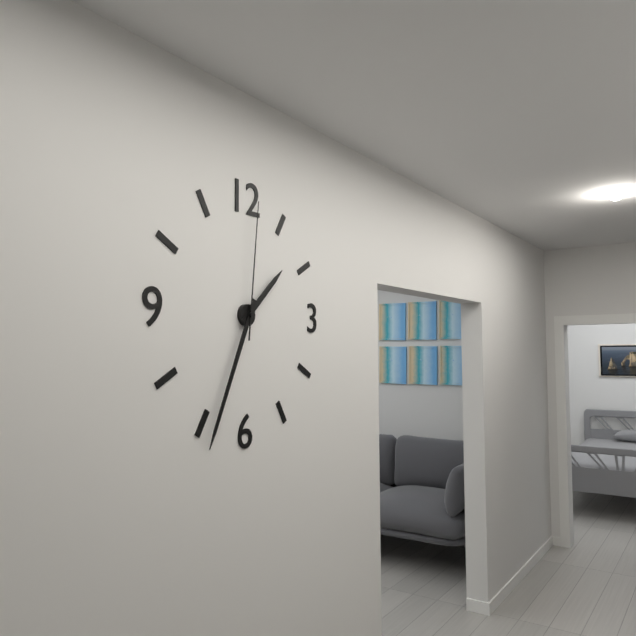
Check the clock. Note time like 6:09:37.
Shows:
1:34:01
